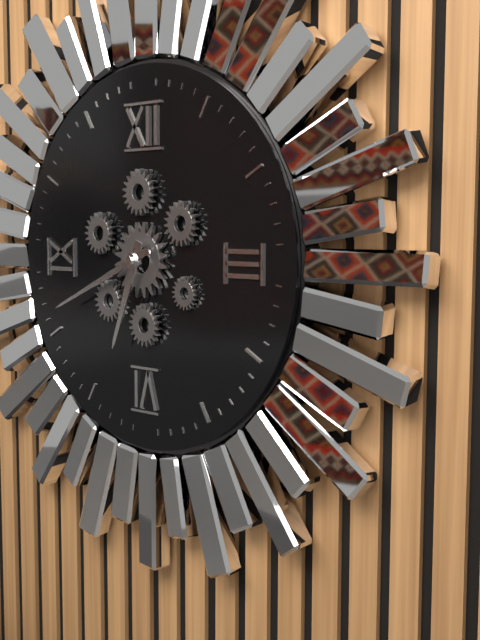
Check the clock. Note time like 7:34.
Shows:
6:41
